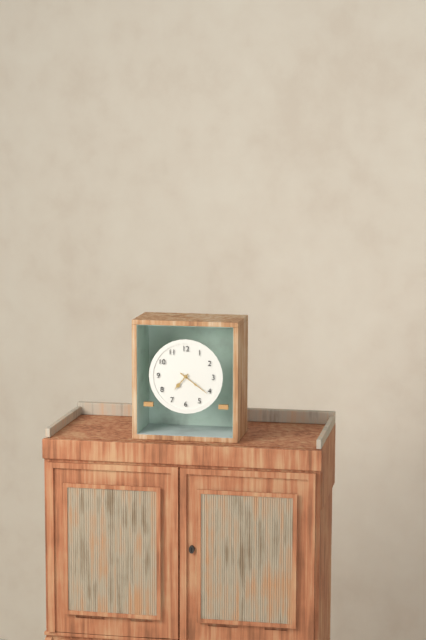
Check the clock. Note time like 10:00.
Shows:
7:21
